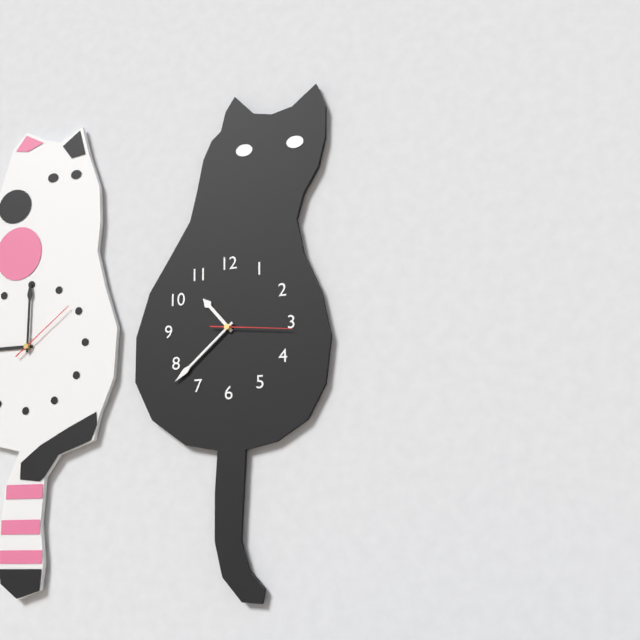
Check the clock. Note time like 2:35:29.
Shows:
10:38:16
